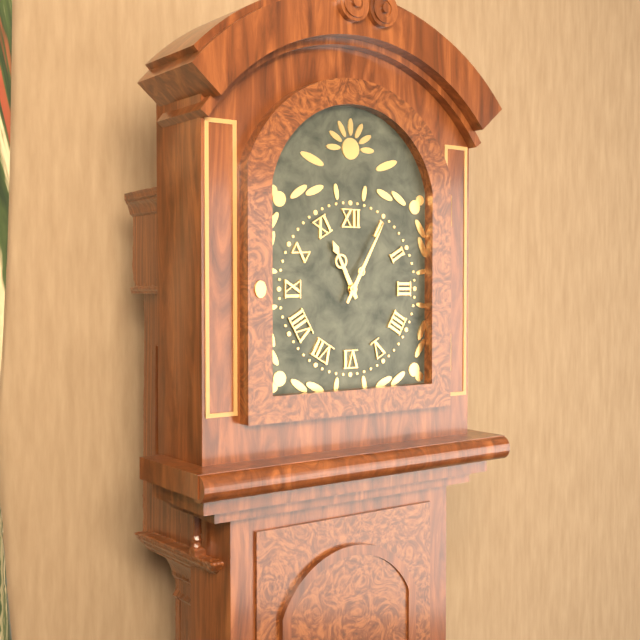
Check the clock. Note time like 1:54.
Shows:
11:05
